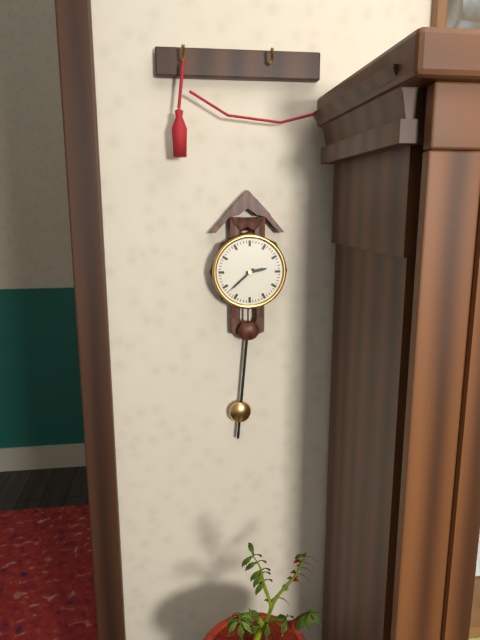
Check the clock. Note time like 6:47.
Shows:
2:38
